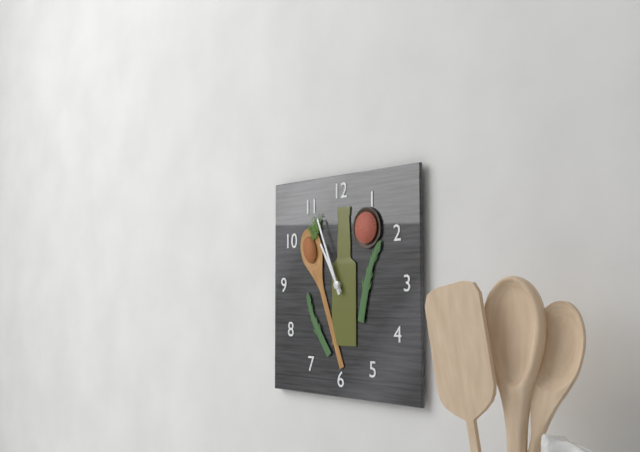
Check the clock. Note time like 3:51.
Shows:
10:56
